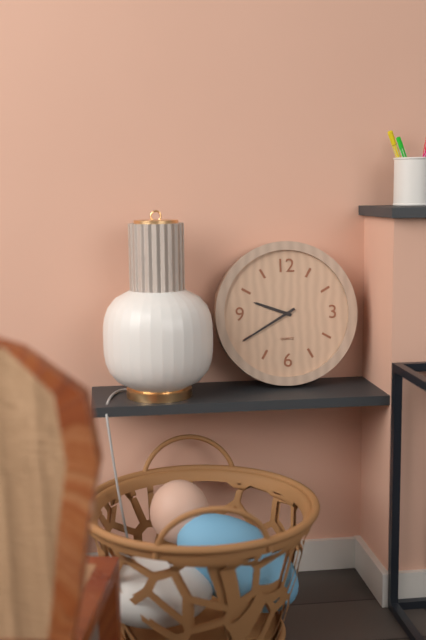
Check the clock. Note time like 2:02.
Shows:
9:40
